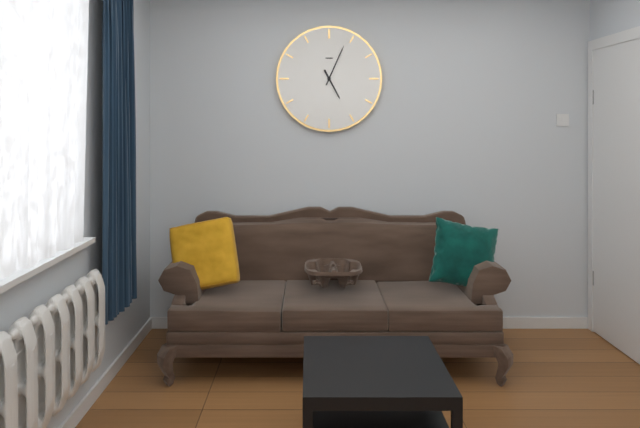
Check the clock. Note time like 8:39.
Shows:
5:04
